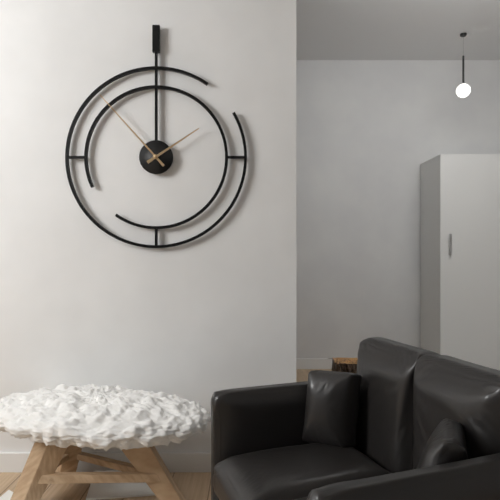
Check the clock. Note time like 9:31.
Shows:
1:53
